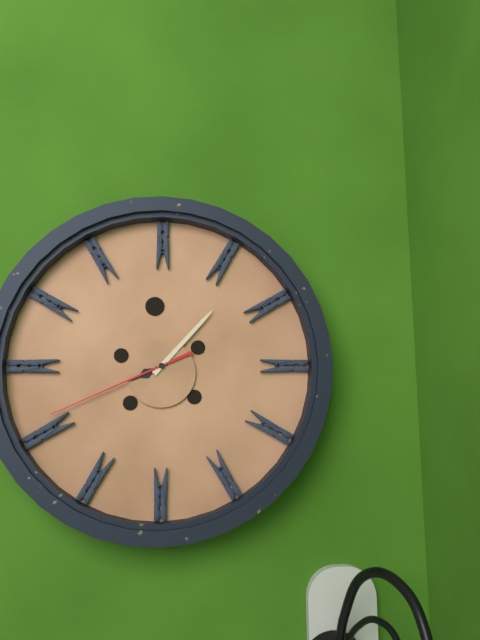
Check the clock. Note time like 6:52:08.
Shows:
8:07:41
